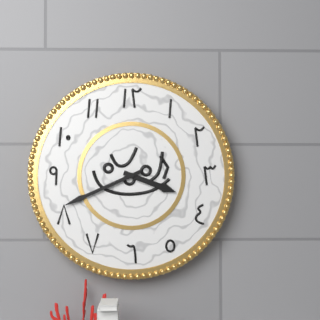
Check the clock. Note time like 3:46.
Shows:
3:41
